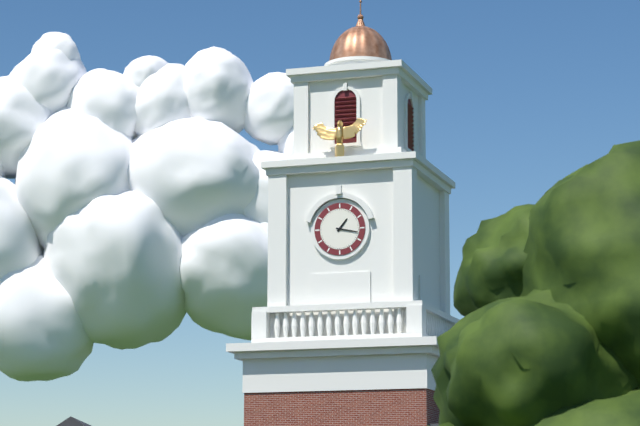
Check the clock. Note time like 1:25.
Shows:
1:17
